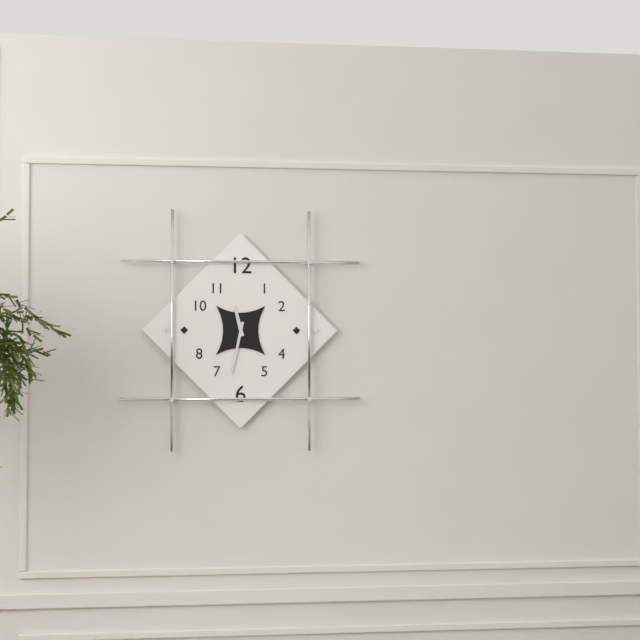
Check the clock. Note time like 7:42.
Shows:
11:32
